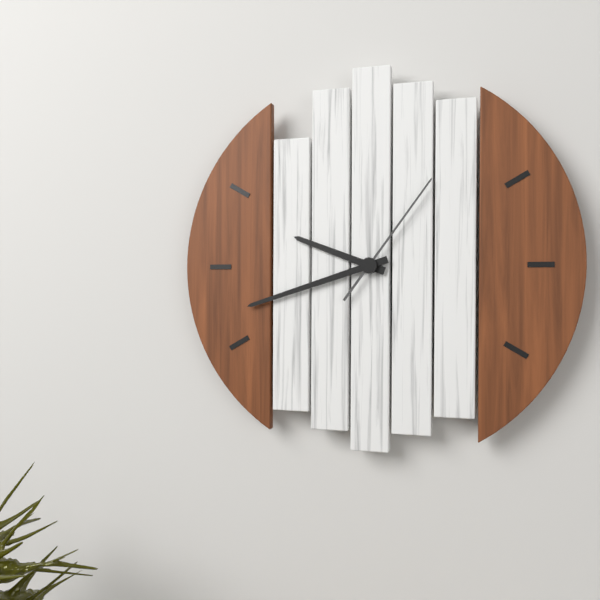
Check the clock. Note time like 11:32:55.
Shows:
9:42:06
